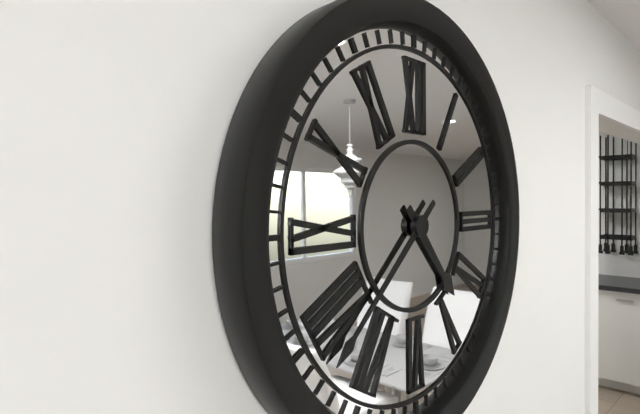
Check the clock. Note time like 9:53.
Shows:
4:38
